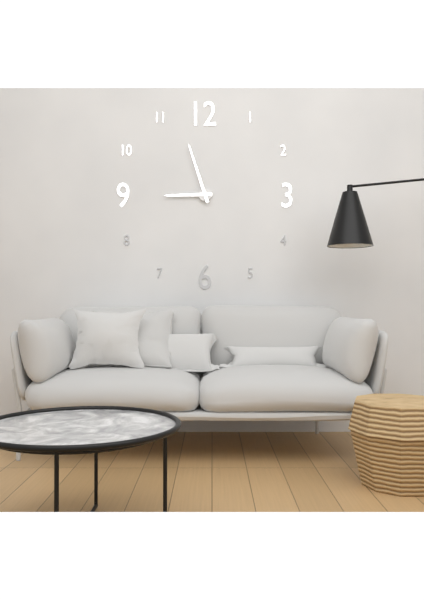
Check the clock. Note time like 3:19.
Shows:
8:57
